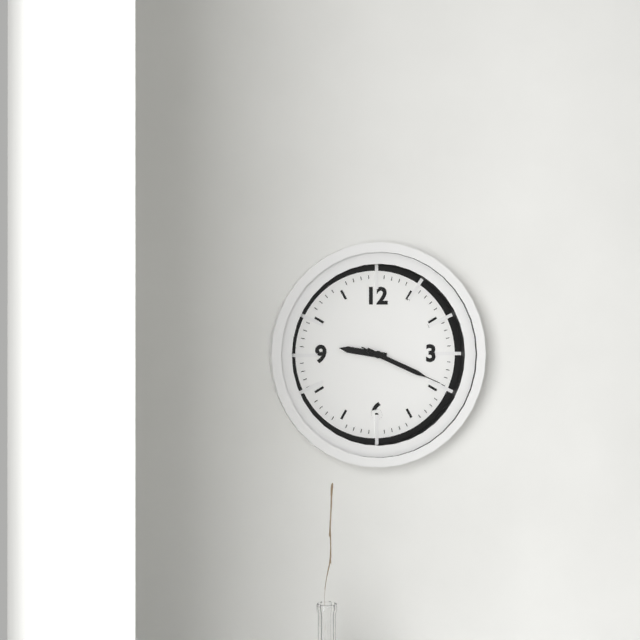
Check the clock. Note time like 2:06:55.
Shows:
9:19:19
